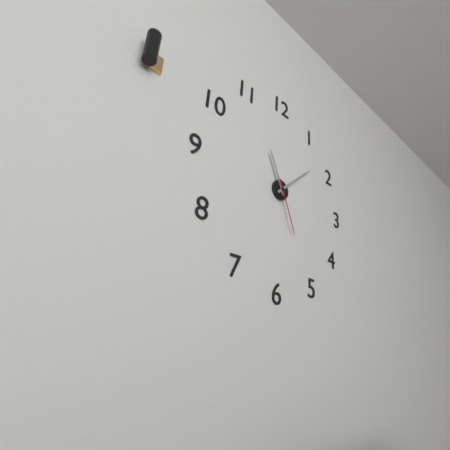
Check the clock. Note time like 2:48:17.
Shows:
11:08:26
